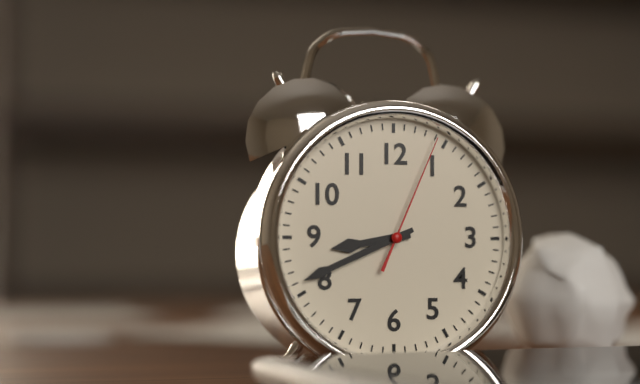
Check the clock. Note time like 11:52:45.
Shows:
8:41:04
